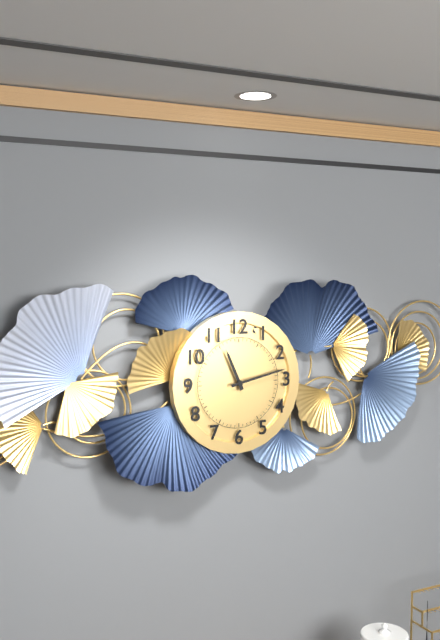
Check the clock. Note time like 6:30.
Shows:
11:13
